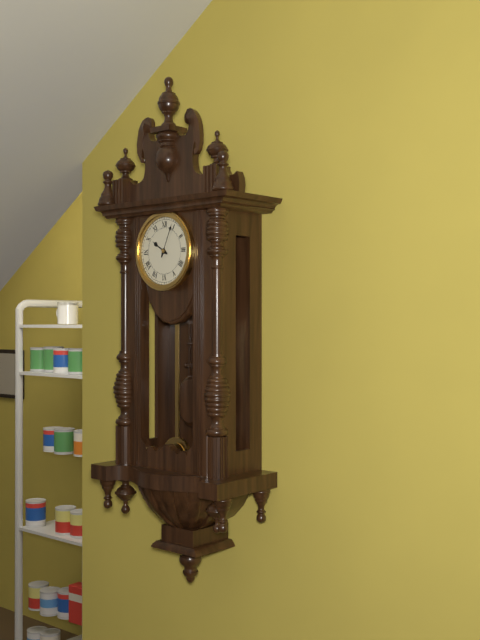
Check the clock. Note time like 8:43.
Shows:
10:04
